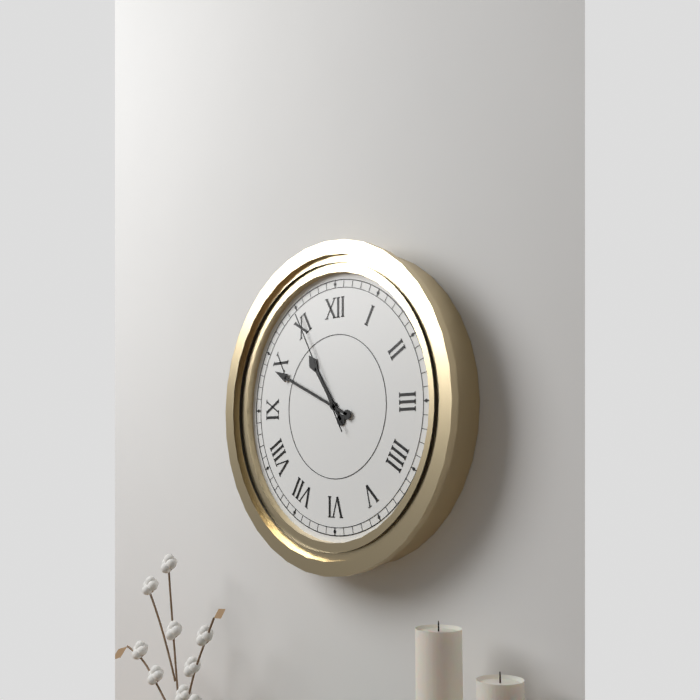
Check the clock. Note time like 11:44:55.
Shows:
10:49:55
